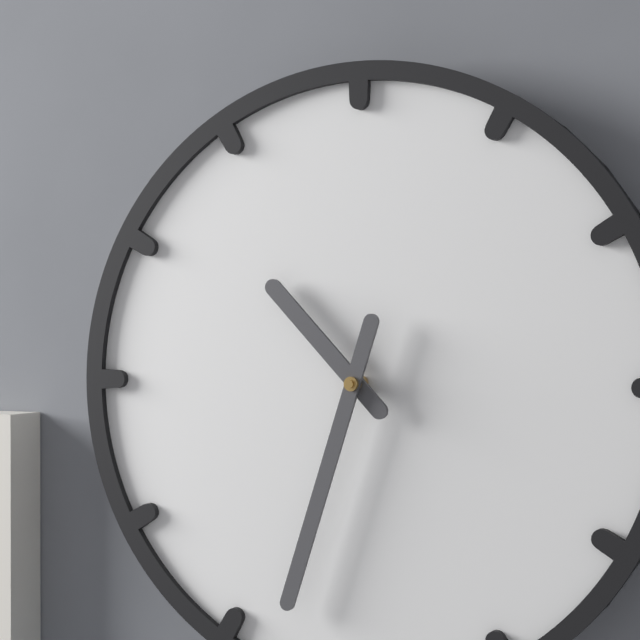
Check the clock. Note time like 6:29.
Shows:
10:33
